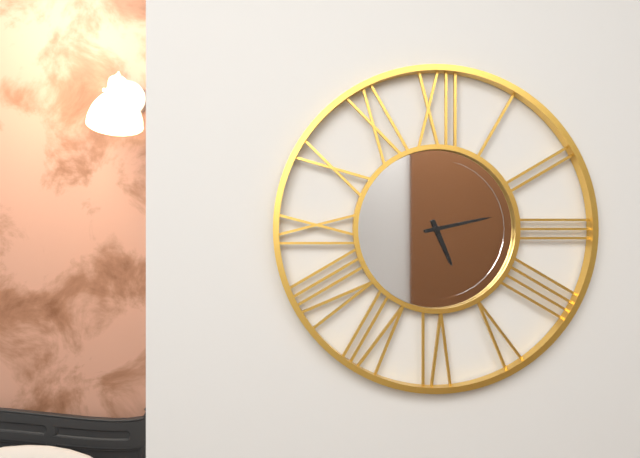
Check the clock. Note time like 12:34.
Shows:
5:13
